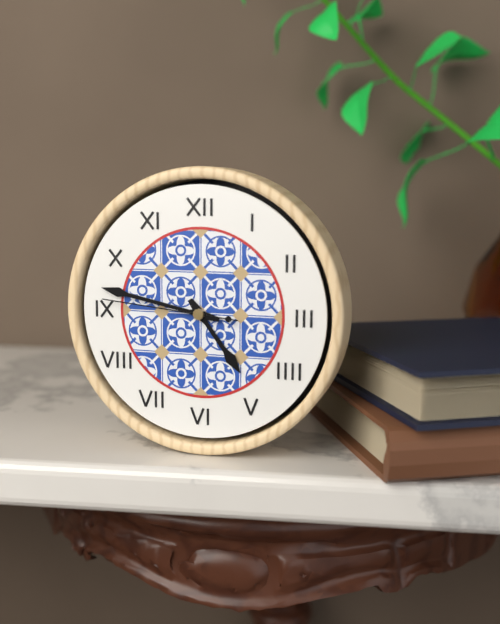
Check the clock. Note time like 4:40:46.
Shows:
4:47:46
